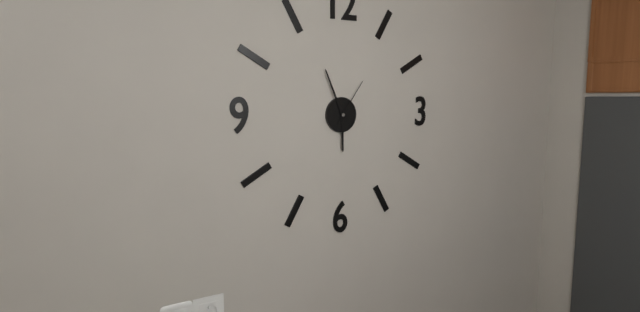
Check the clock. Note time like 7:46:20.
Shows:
5:56:06
